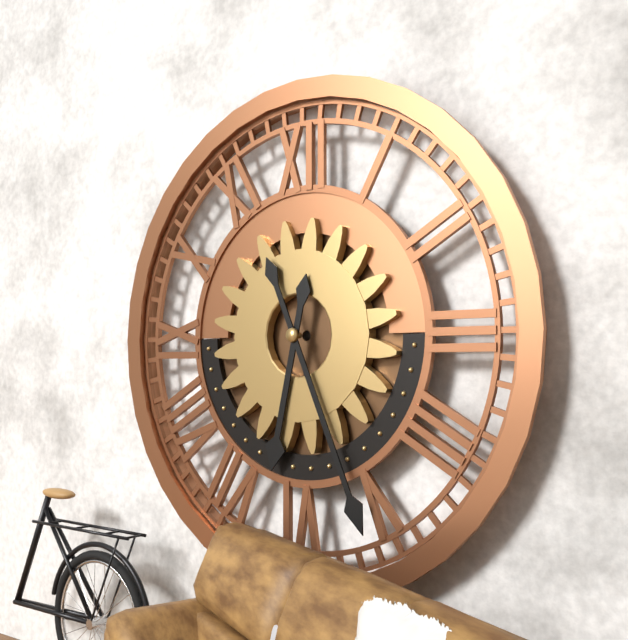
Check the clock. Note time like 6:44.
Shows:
6:26
